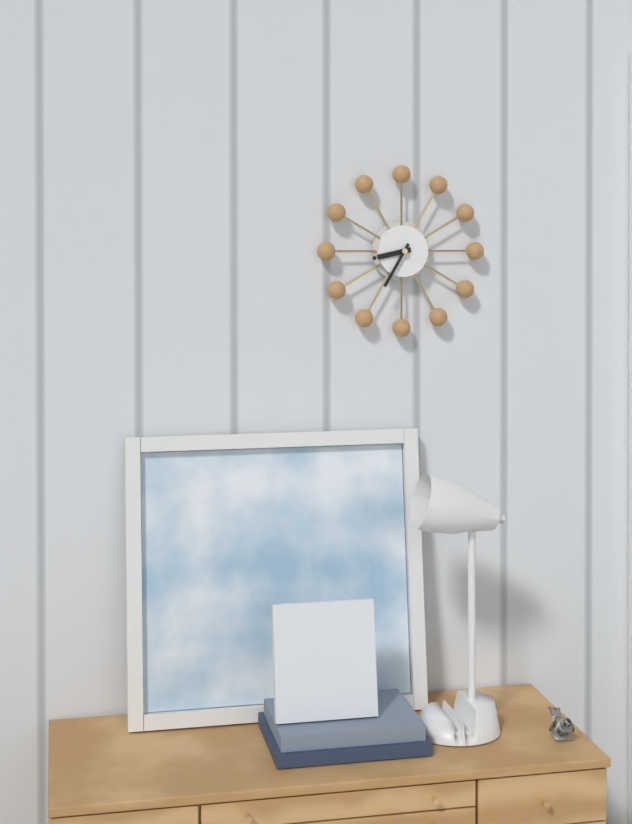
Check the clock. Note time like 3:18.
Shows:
8:35
